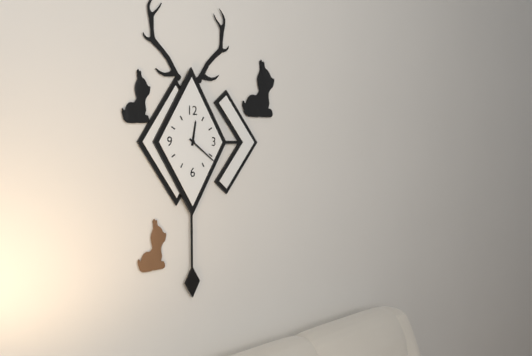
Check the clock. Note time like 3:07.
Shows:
12:21
